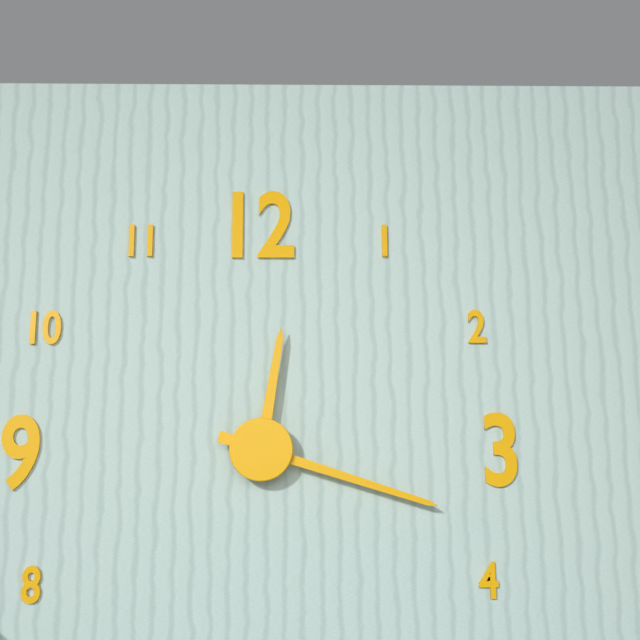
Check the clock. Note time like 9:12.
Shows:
12:18
